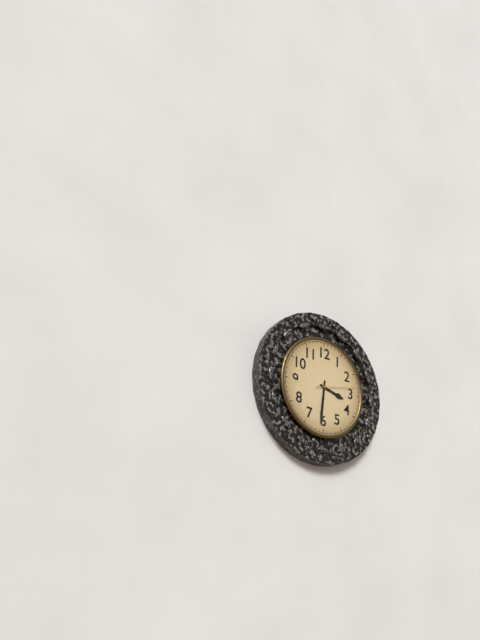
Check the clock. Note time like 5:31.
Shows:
3:31
